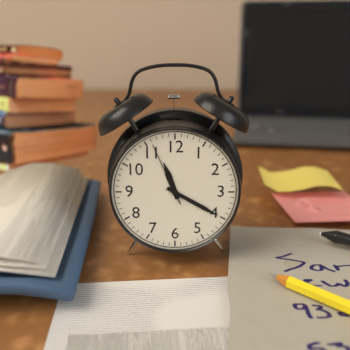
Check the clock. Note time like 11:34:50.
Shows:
11:20:56
